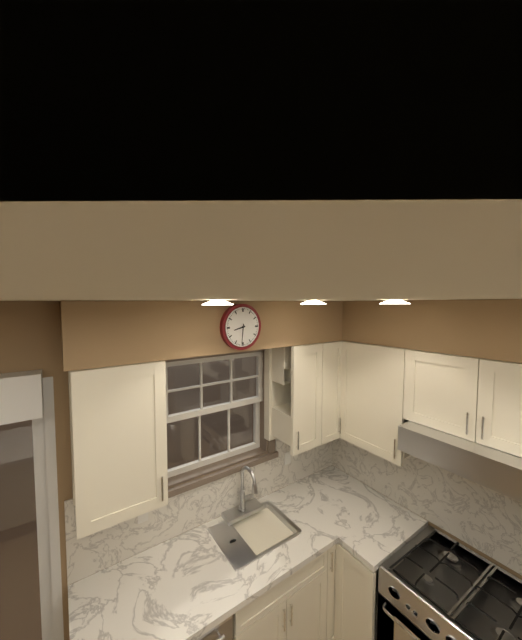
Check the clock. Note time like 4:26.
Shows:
8:31
